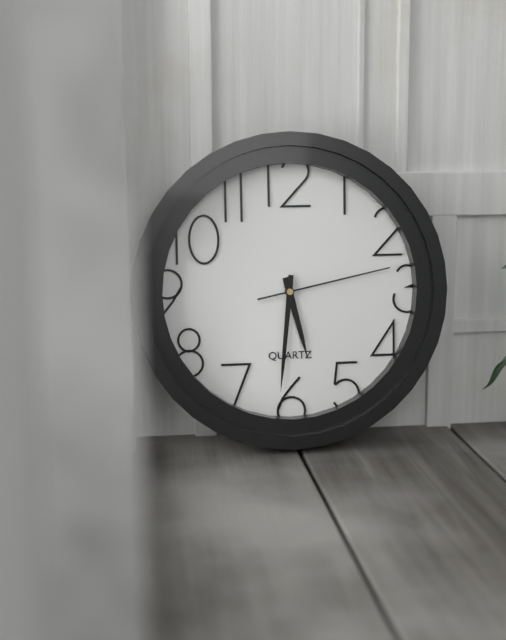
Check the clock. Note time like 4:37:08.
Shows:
5:31:13
